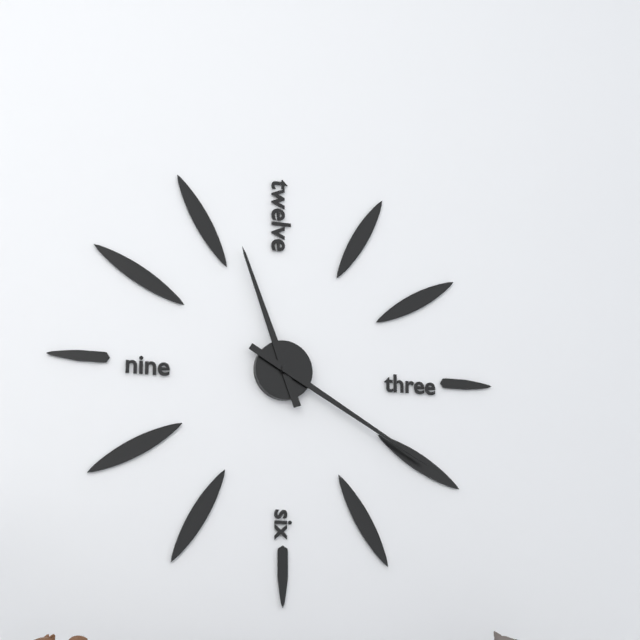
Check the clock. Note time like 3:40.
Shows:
11:20
